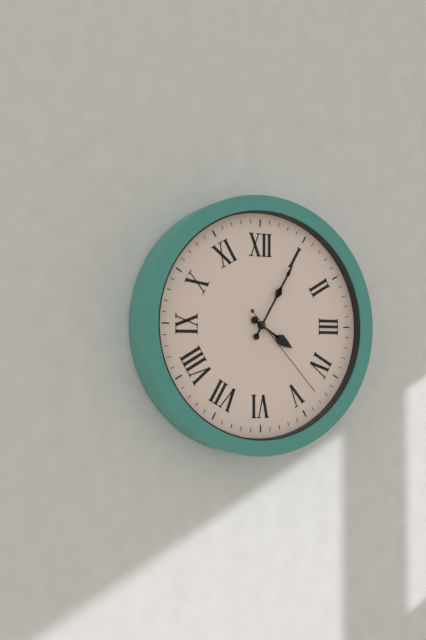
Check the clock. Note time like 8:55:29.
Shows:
4:05:23
